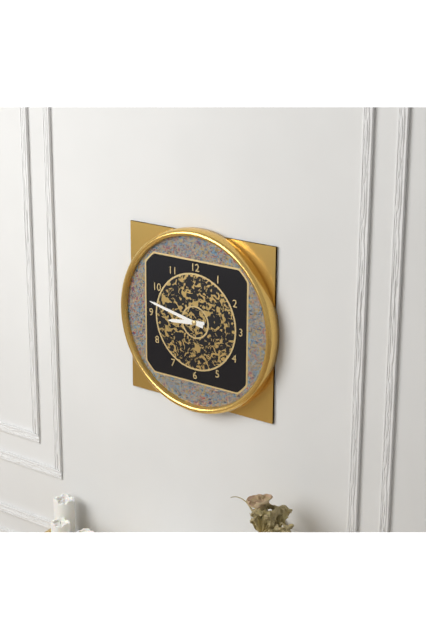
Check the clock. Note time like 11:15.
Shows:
8:47
